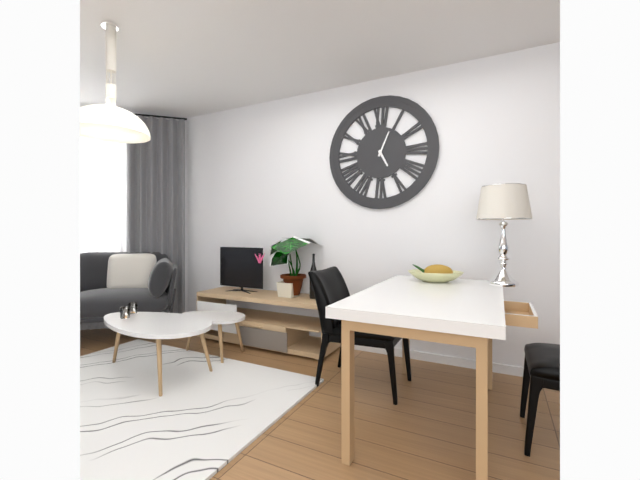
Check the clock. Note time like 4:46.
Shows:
5:04
